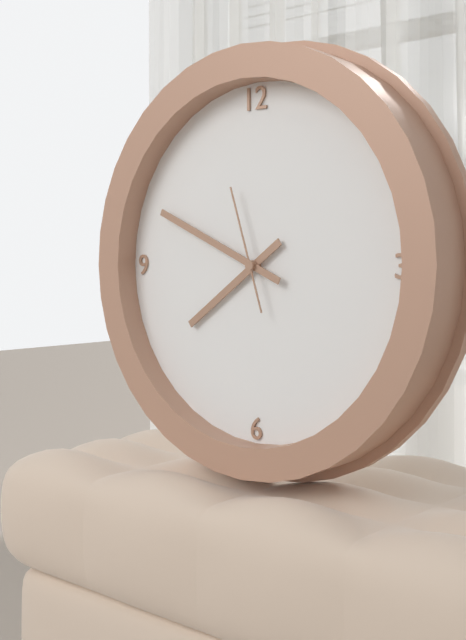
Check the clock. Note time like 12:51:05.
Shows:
7:49:57
